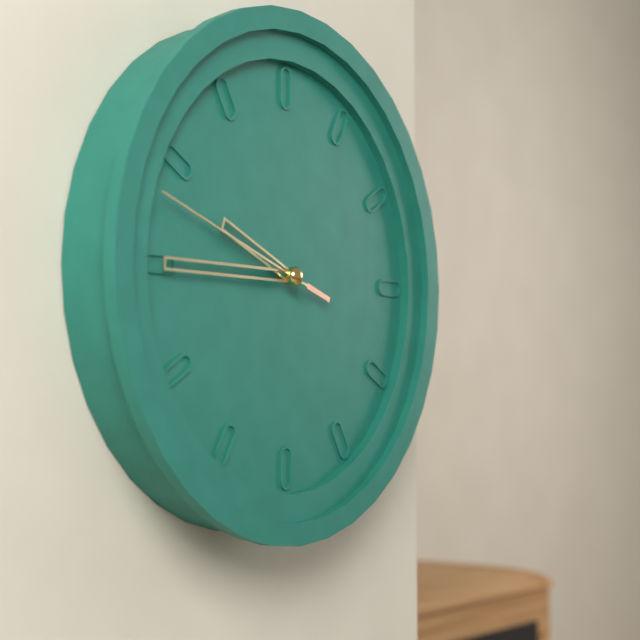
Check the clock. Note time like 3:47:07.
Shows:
9:45:48
